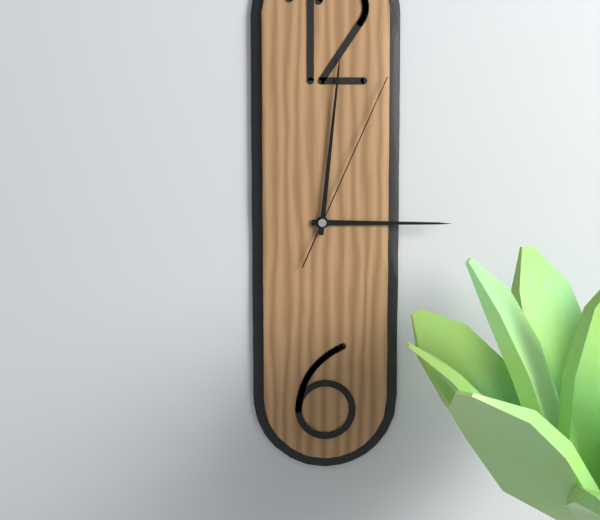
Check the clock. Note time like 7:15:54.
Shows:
3:01:04
